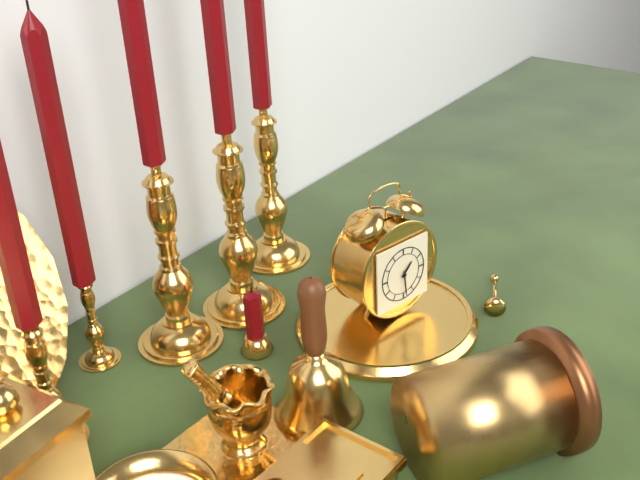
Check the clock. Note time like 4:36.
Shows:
1:29
